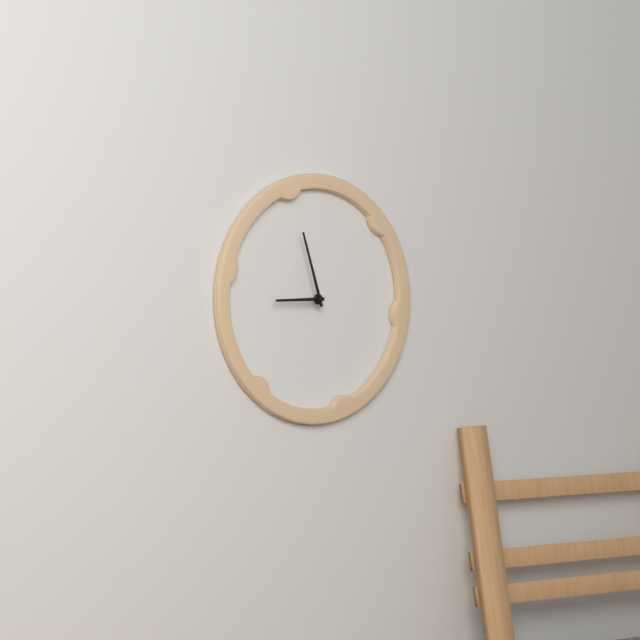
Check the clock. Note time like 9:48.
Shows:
8:57
